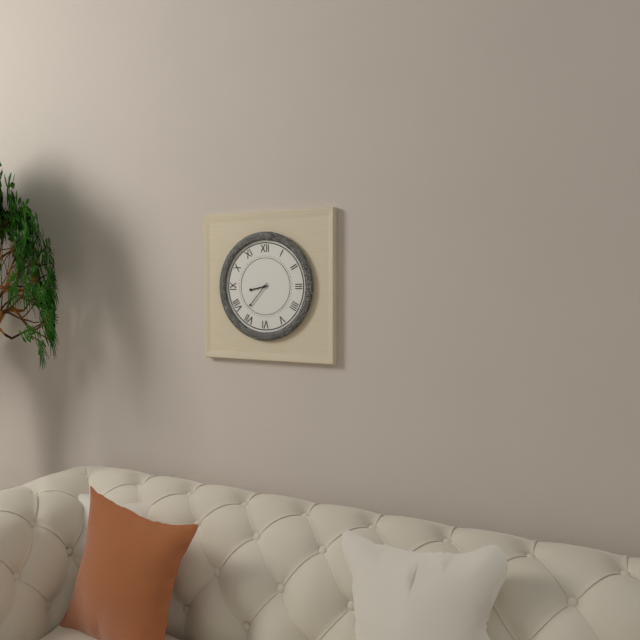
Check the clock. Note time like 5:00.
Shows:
8:37
